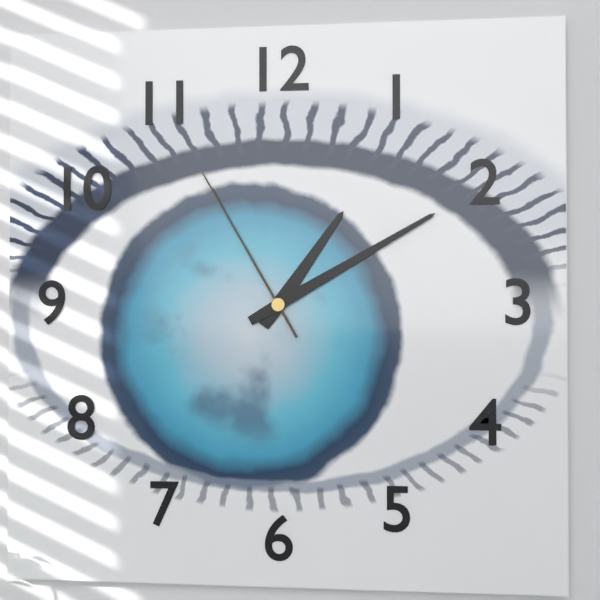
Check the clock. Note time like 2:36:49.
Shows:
1:10:55
